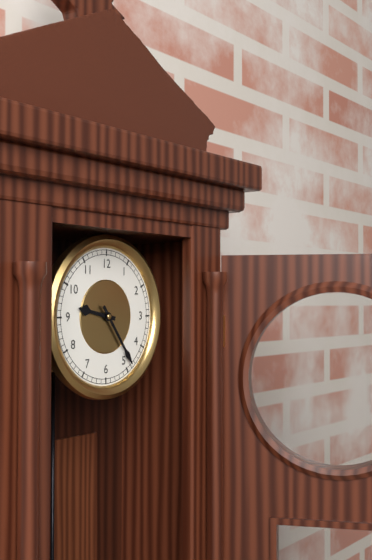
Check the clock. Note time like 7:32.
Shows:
9:24
